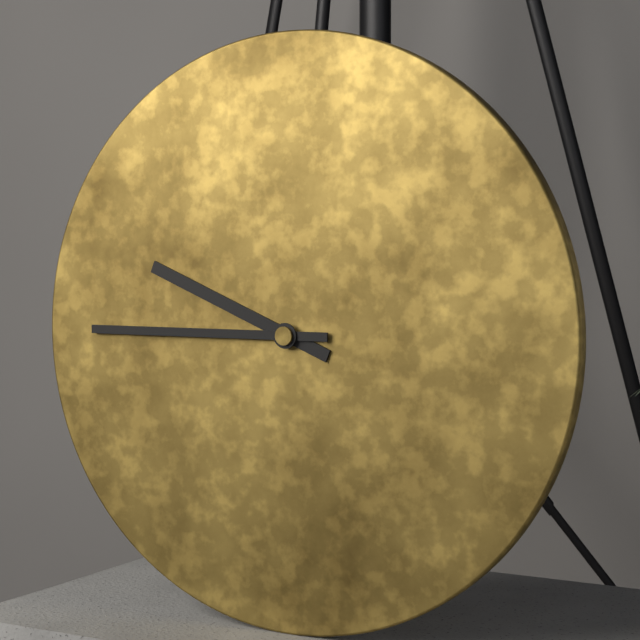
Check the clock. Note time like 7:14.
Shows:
9:45
